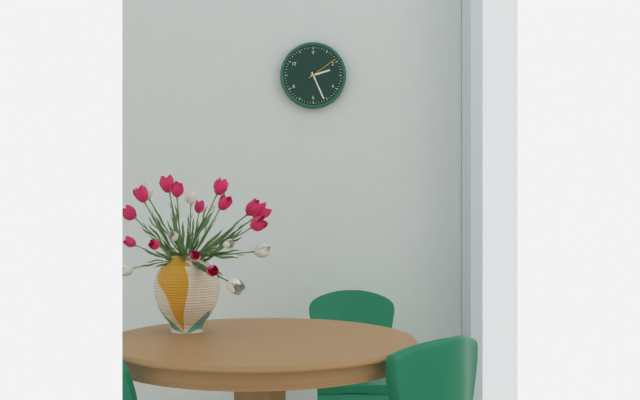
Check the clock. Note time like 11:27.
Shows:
2:26
